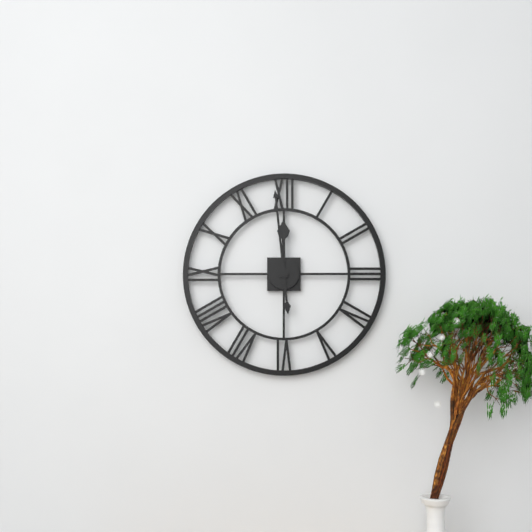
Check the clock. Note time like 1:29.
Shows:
11:59
